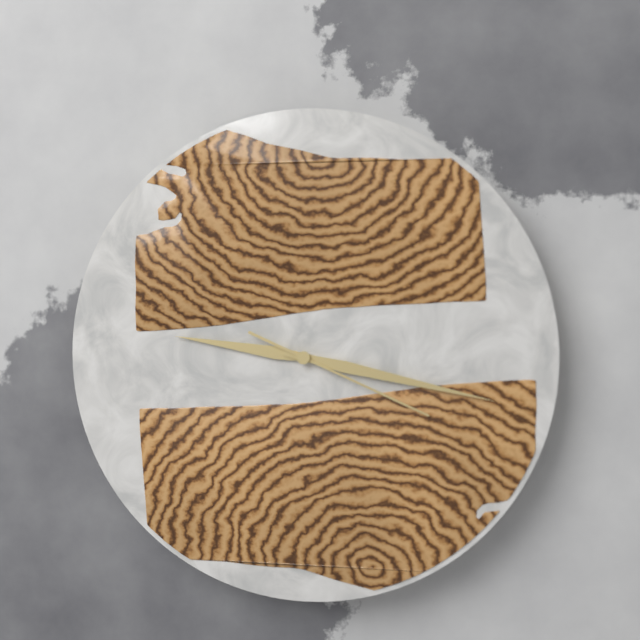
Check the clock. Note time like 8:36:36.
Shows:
9:17:19
